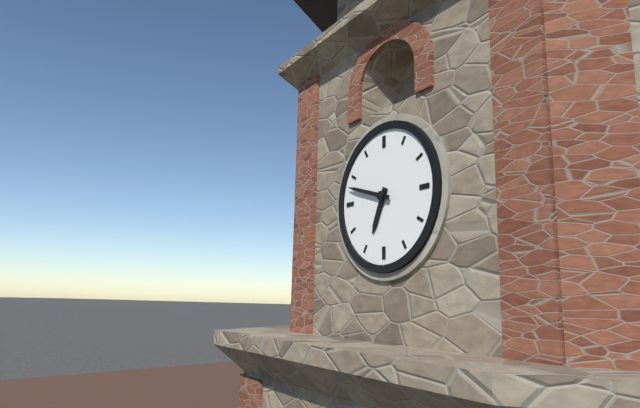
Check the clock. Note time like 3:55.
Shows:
6:48
